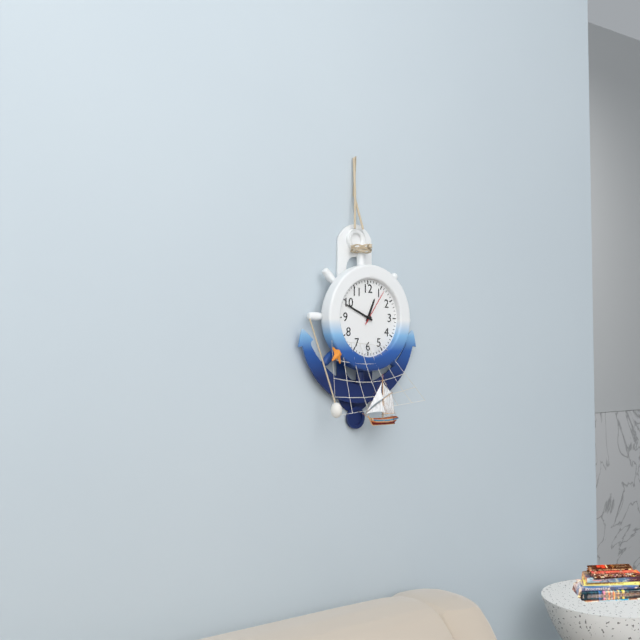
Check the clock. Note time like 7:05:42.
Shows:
12:49:06
